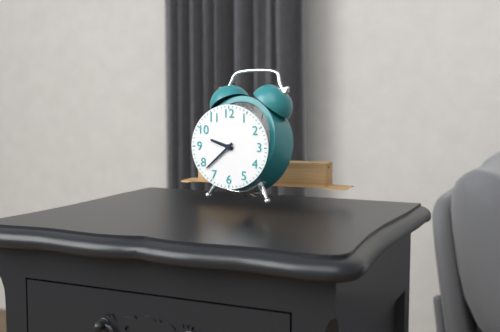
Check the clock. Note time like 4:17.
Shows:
9:38
